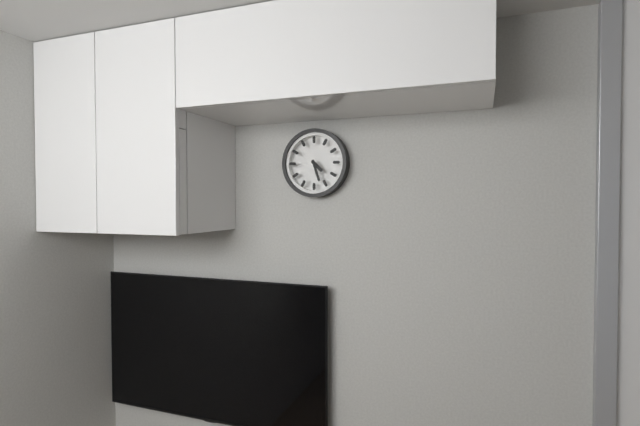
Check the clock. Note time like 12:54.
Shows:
4:27
